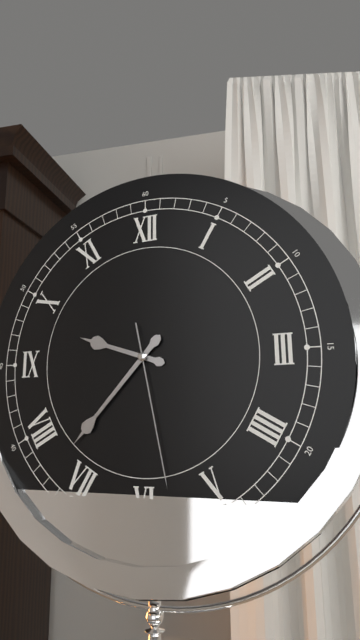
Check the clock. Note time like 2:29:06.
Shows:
9:37:28
